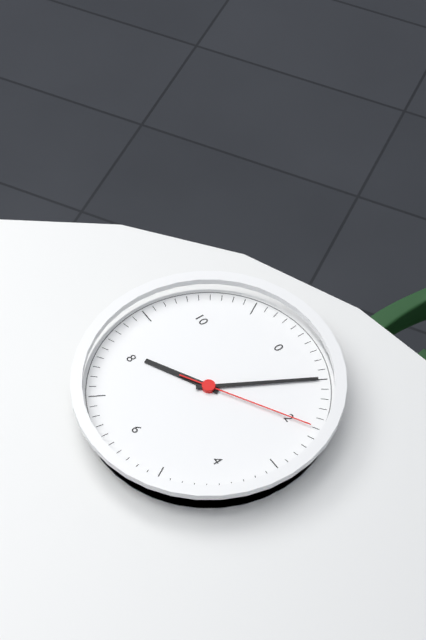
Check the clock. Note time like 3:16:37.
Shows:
8:05:10
